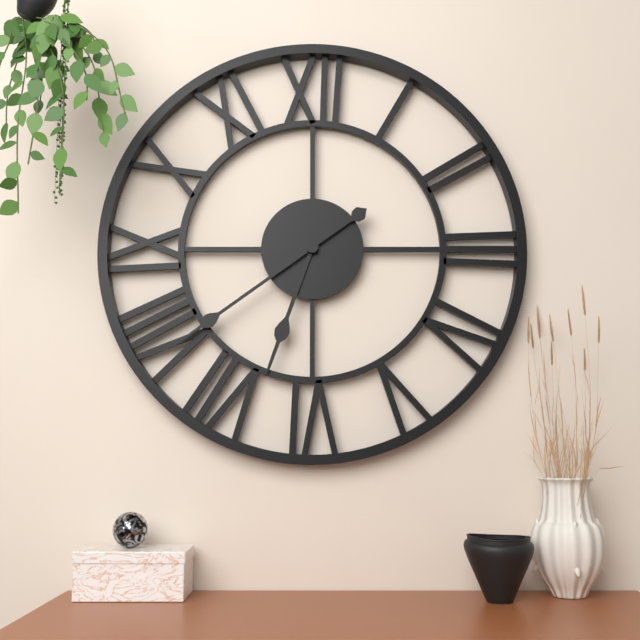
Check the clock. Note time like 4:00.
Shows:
6:39
